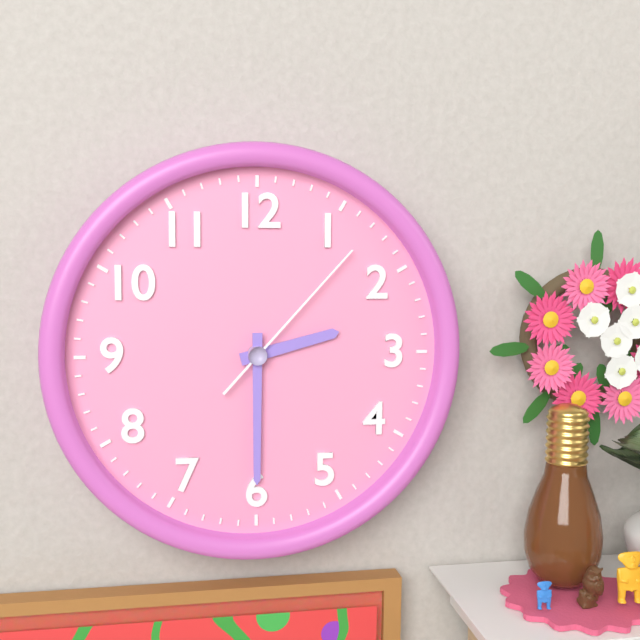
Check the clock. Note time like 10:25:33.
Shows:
2:30:07
